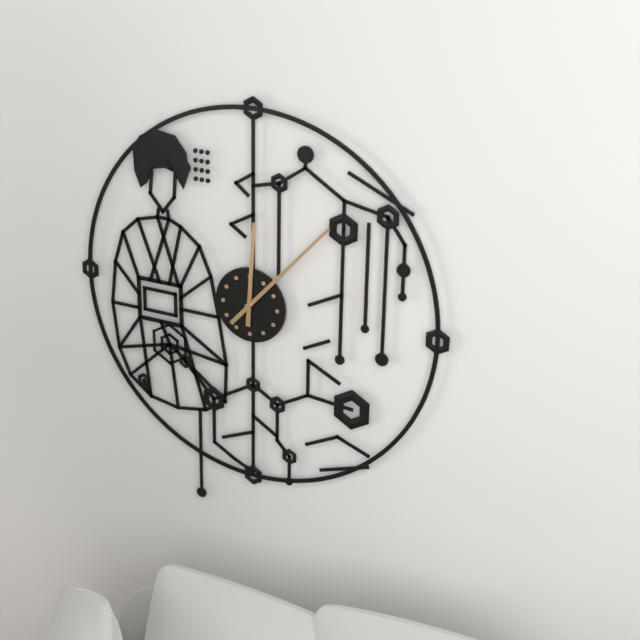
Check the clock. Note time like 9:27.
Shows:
12:07
